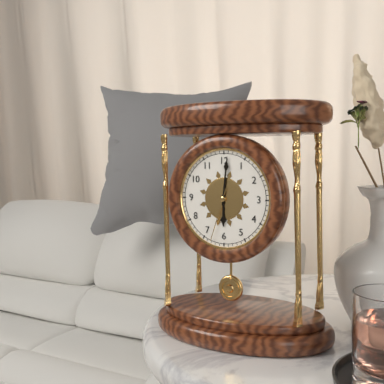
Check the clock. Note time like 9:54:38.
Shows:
6:01:33
